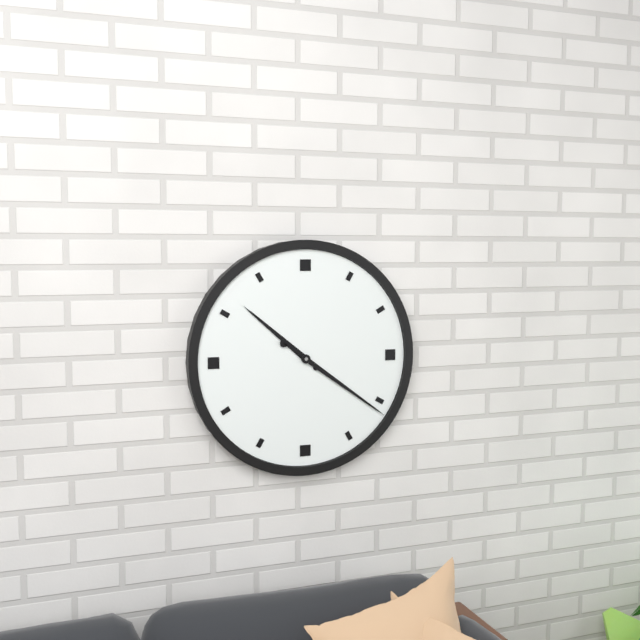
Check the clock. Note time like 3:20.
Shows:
10:21
